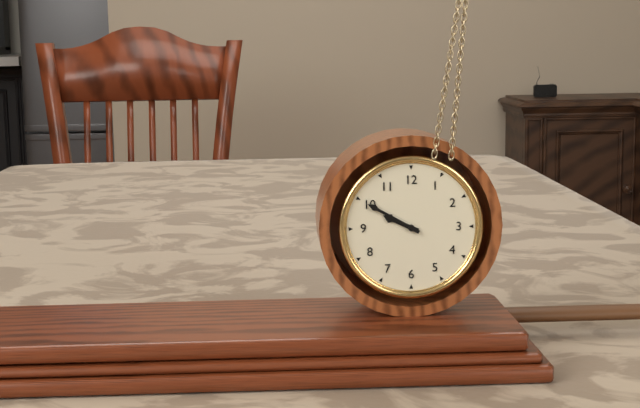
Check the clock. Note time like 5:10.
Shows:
9:50
